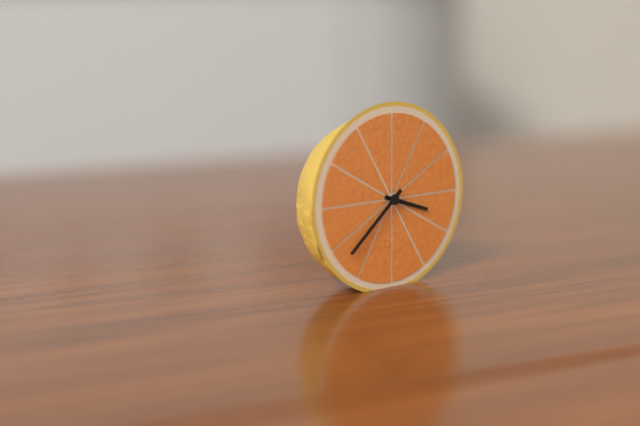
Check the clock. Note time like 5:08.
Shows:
3:38
